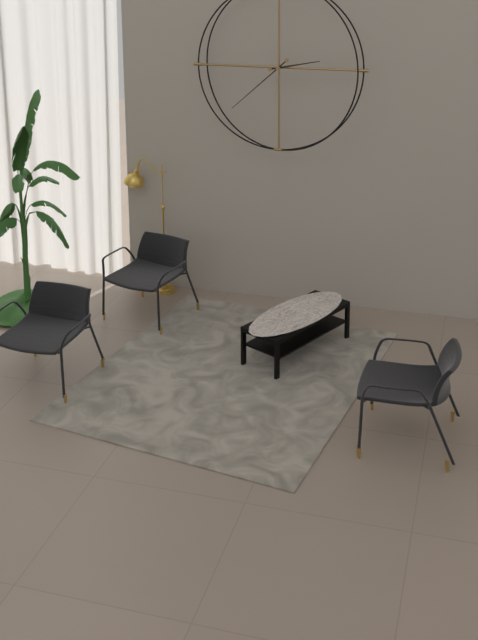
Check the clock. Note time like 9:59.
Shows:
2:38
